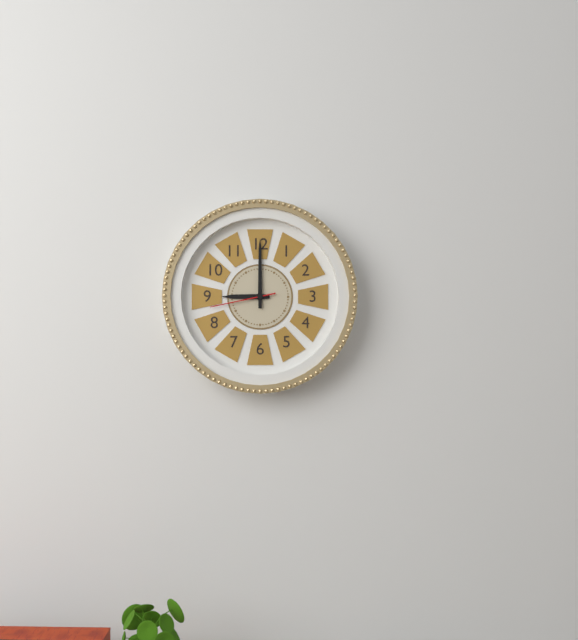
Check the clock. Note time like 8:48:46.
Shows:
9:00:43
